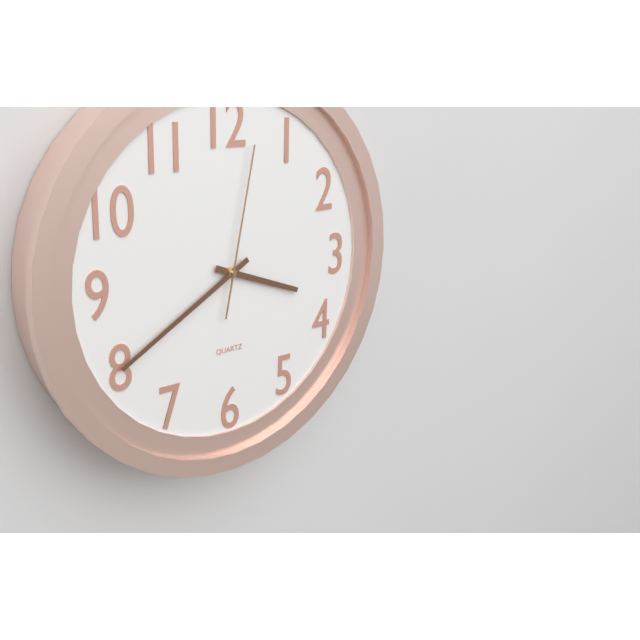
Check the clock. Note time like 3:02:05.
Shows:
3:40:02
